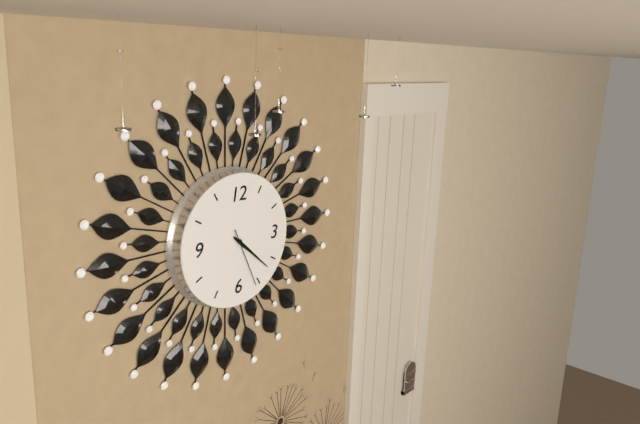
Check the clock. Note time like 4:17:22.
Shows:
4:22:26
